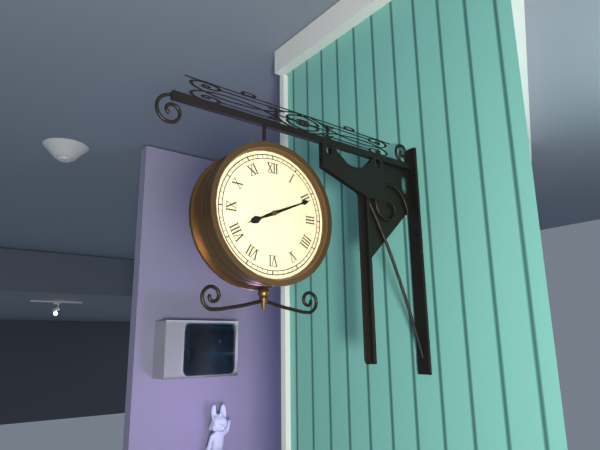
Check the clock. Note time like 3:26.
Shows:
8:11
